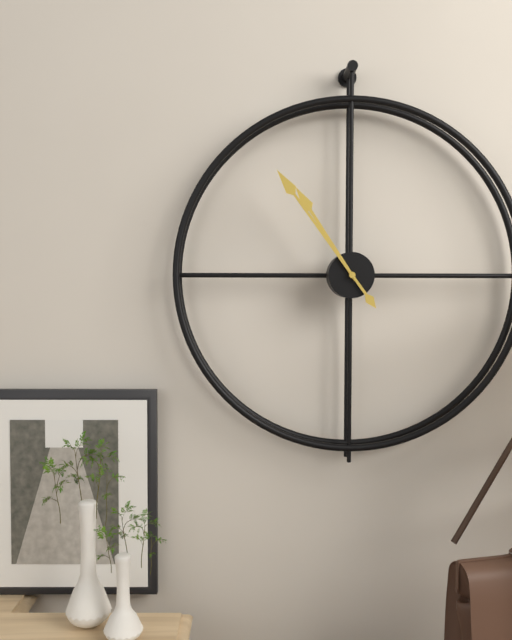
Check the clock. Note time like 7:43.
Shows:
10:54
